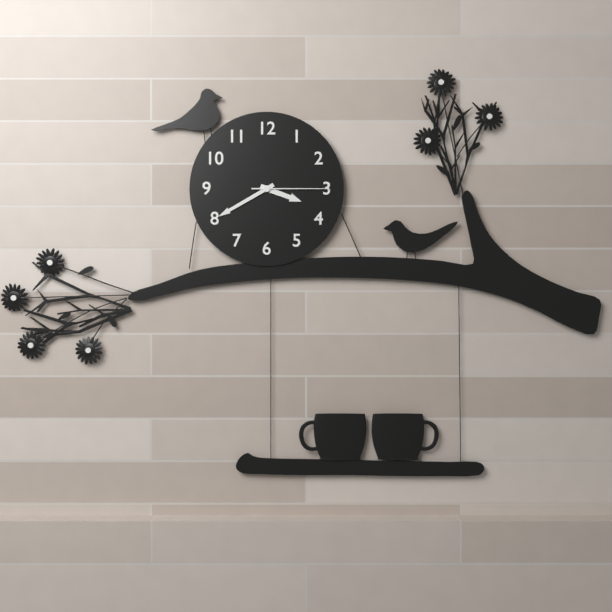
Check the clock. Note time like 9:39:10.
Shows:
3:40:15
